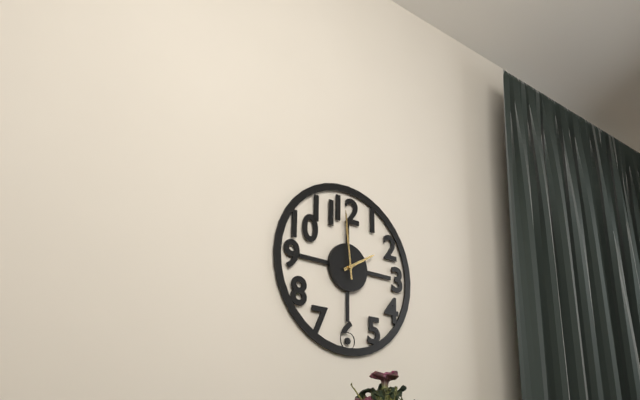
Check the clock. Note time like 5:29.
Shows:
1:59
